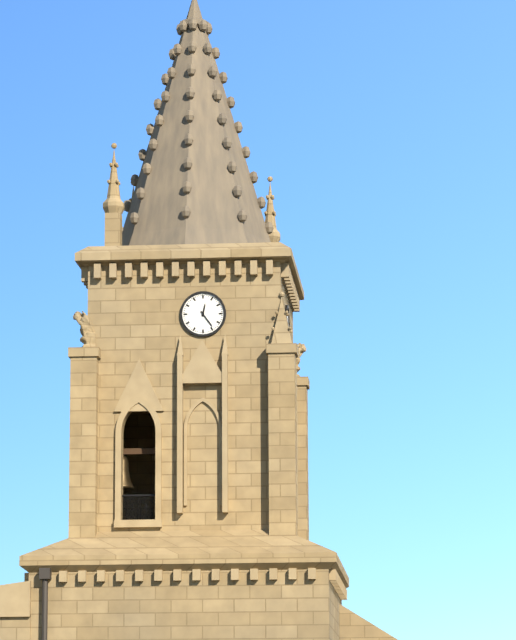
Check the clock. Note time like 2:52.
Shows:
12:24
